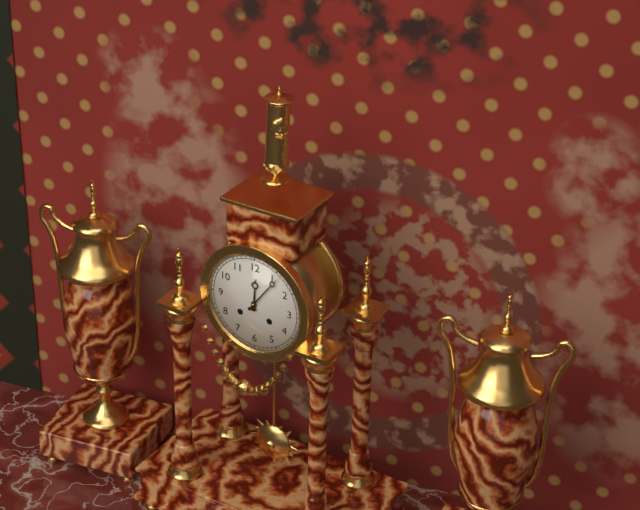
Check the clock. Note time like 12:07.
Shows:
12:06
